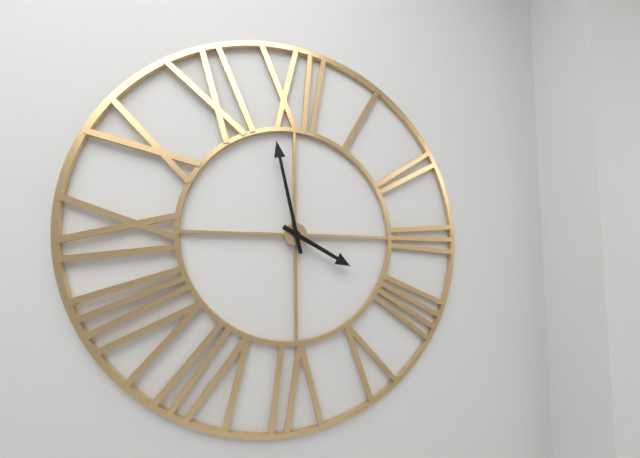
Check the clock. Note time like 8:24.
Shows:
3:58
